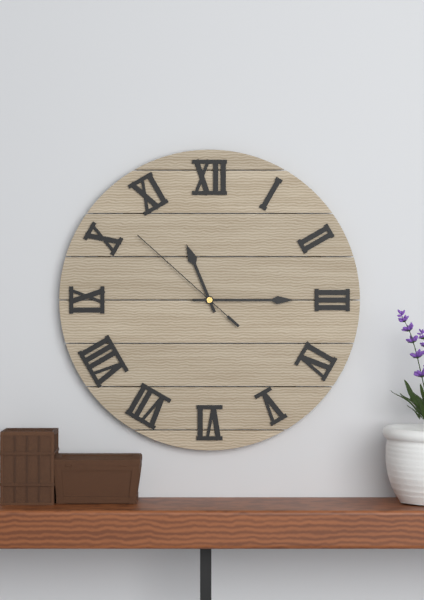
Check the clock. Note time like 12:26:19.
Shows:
11:15:52
